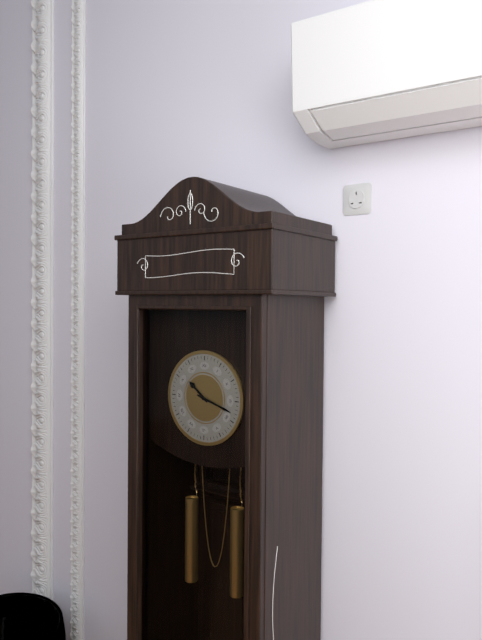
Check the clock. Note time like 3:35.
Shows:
10:18
